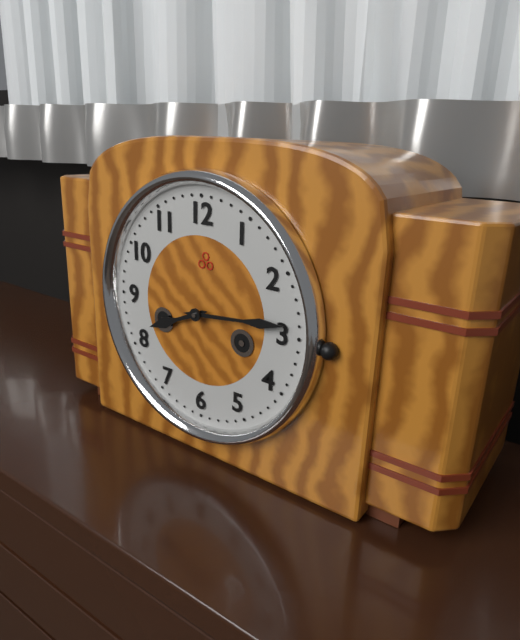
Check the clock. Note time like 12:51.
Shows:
8:14
